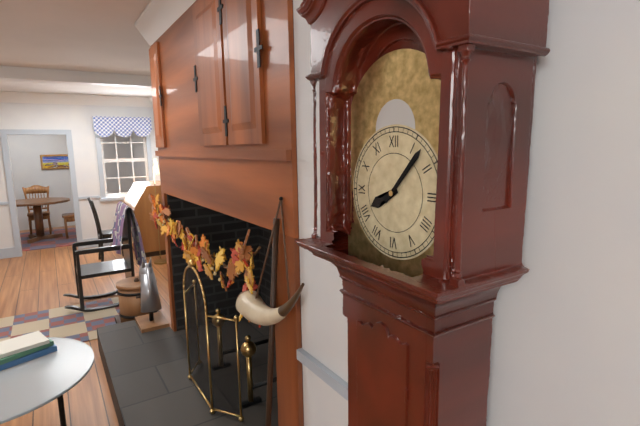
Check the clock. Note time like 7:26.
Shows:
8:07
